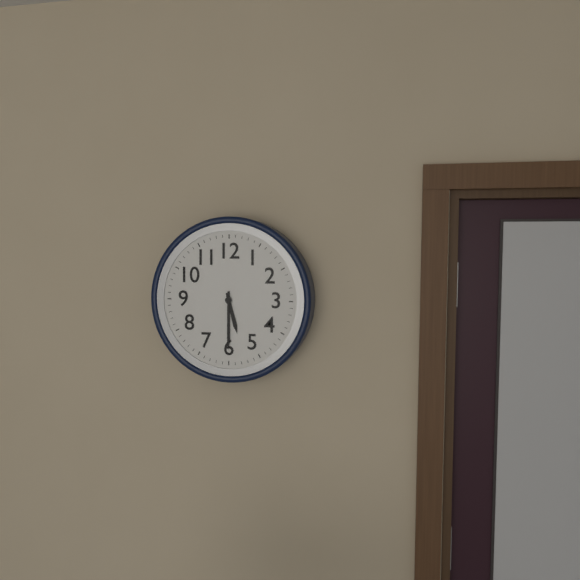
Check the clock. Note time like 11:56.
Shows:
5:30
